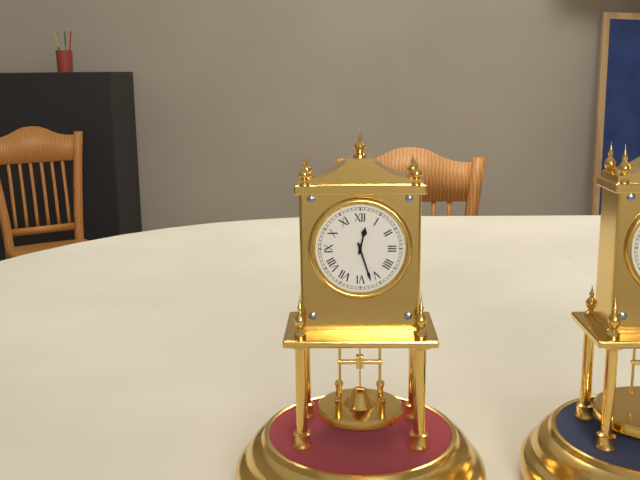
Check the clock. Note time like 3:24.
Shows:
12:27
